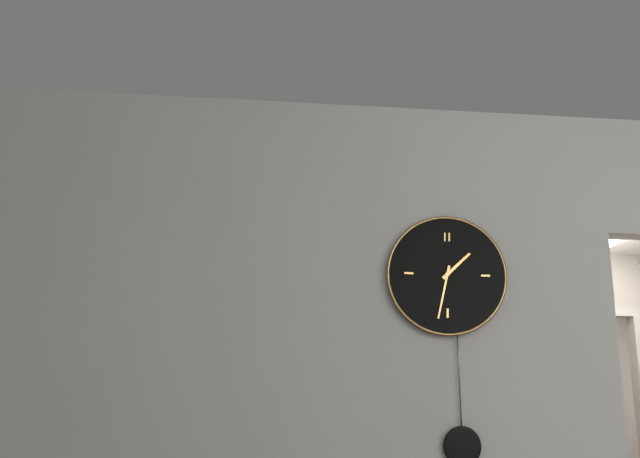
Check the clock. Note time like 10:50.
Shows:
1:32
